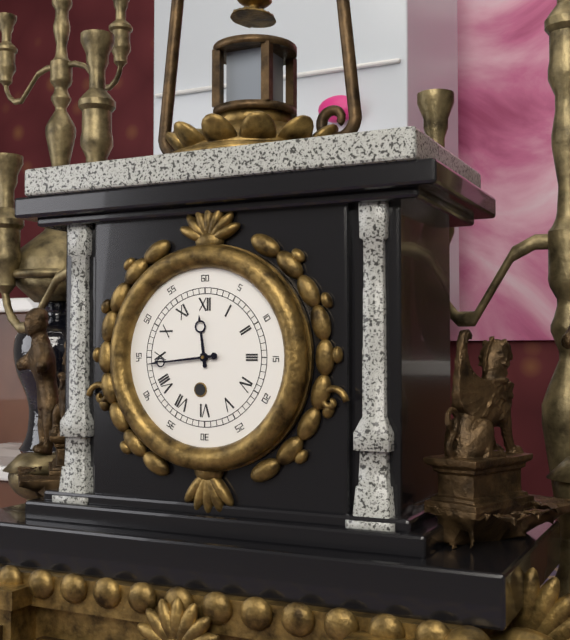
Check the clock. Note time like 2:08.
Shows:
11:44
